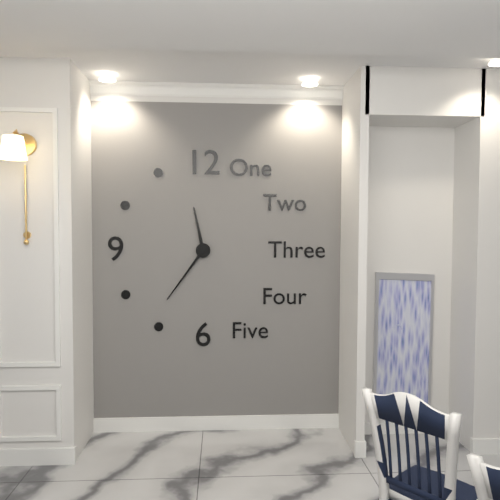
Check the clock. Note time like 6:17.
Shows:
11:36
